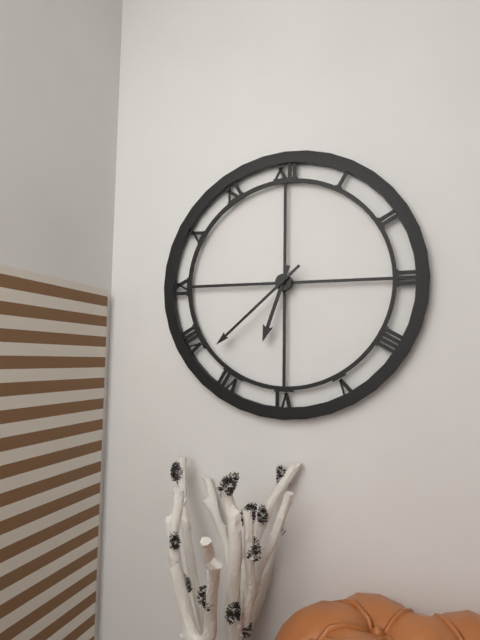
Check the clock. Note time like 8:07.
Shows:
6:38
